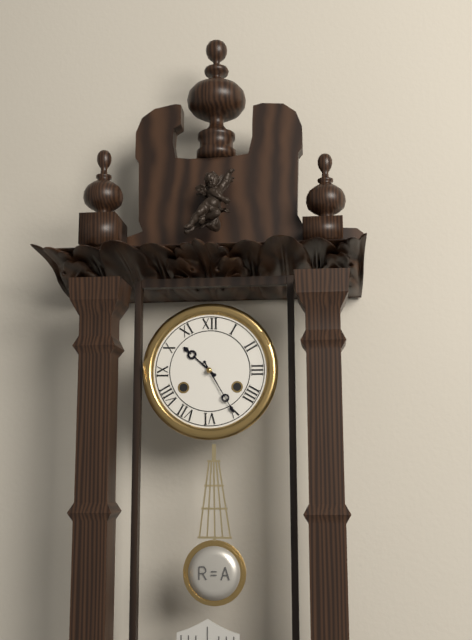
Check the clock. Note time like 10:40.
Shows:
10:25
